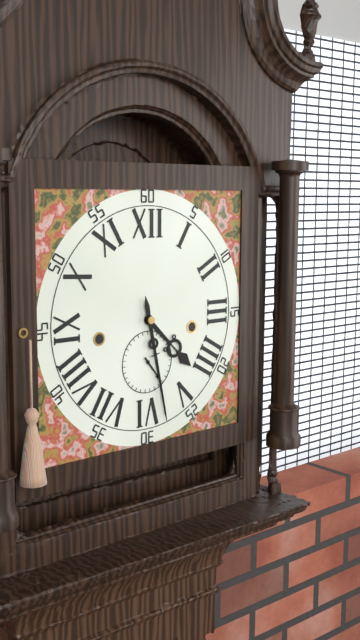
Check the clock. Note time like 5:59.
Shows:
4:28
